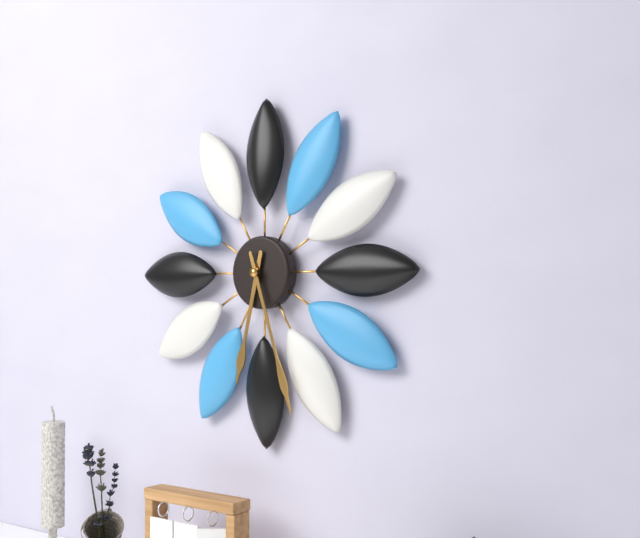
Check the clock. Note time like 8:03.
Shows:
6:27
